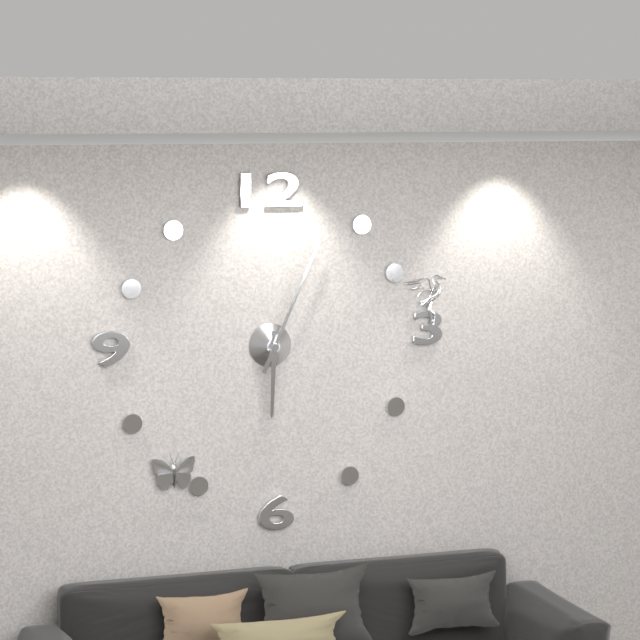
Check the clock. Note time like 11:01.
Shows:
6:04
